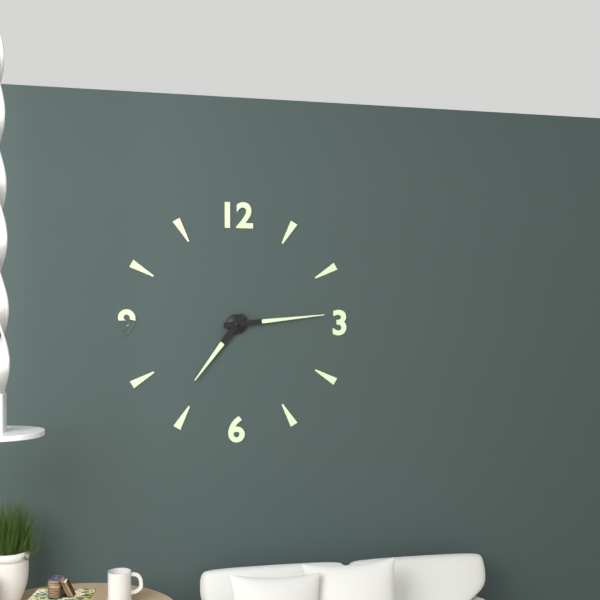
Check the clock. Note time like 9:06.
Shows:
7:14
